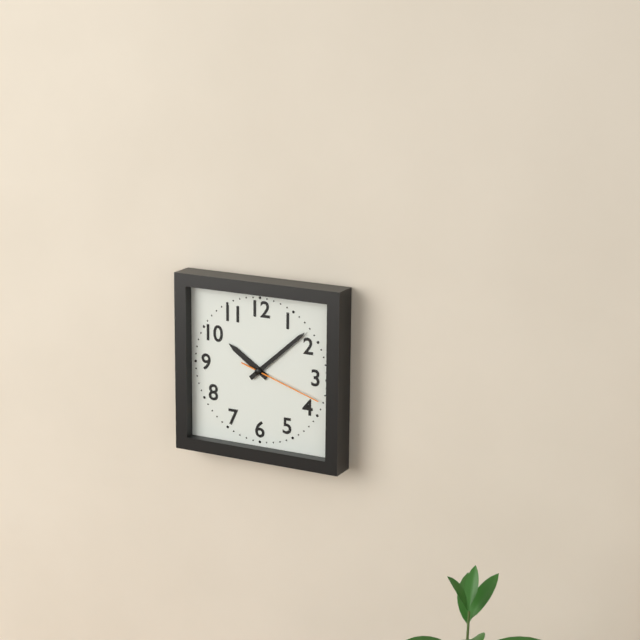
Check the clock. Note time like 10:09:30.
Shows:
10:08:18
